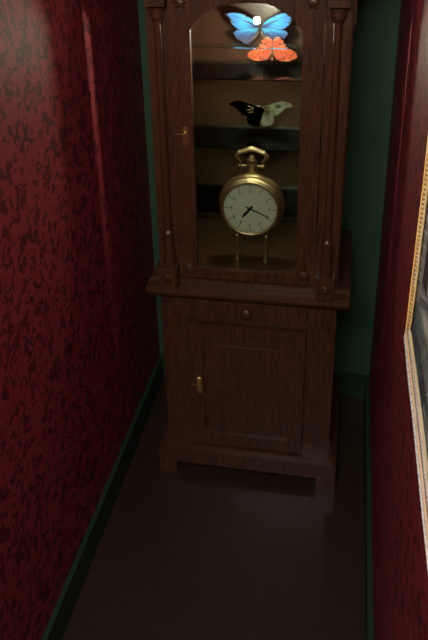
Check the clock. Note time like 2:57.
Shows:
7:19
